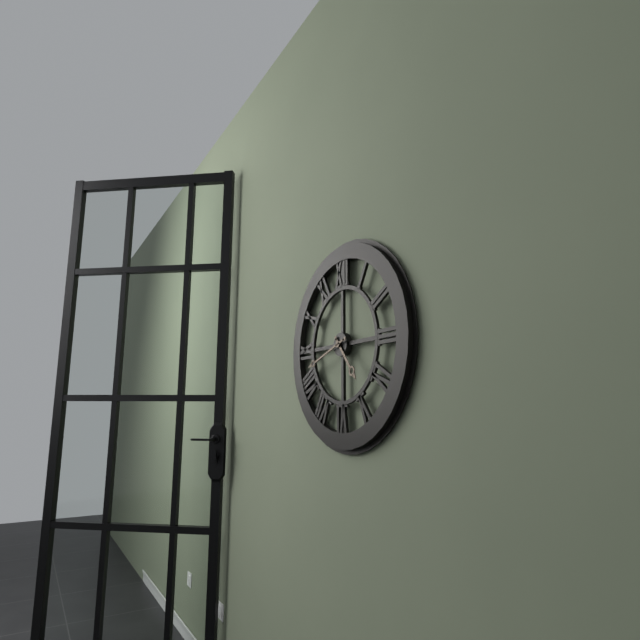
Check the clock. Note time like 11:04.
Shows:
4:42
